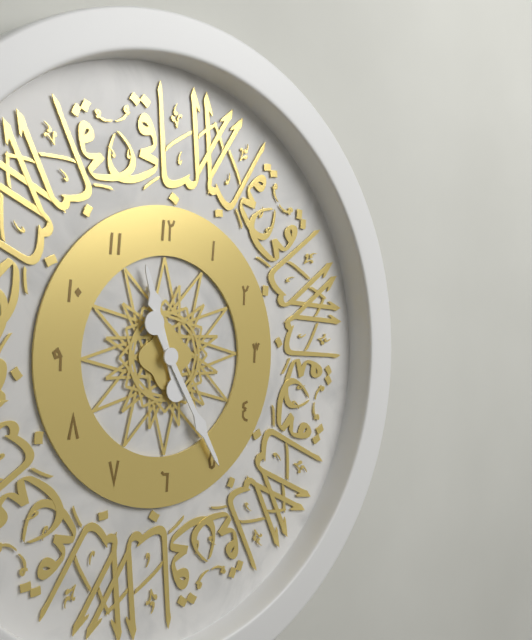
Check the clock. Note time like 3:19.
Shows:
11:25
